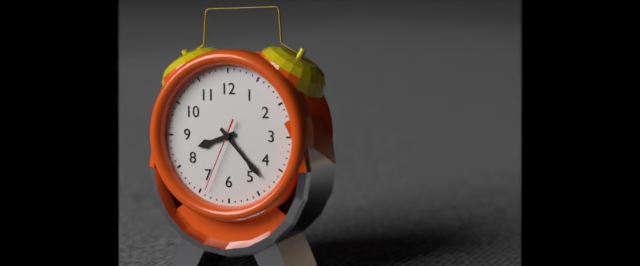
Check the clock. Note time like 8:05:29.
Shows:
8:23:34
